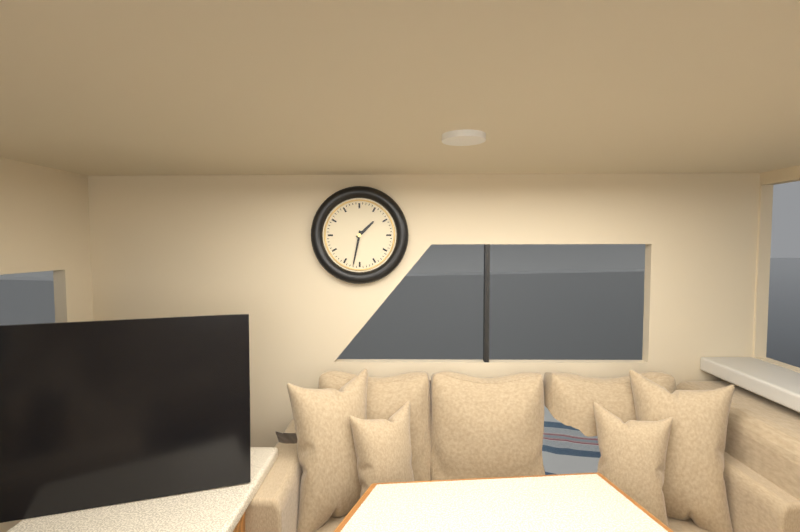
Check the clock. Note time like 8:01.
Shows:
1:32
